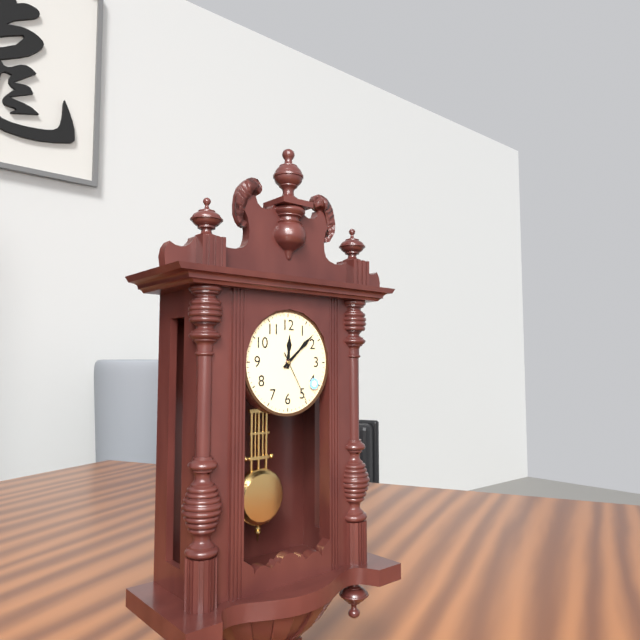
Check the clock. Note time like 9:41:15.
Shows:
12:08:25
